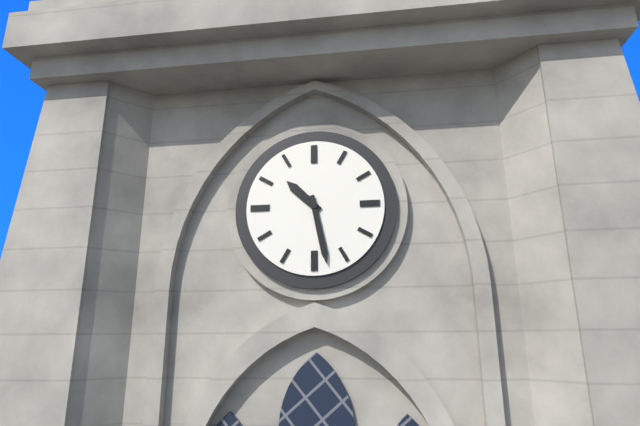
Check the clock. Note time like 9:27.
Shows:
10:28
